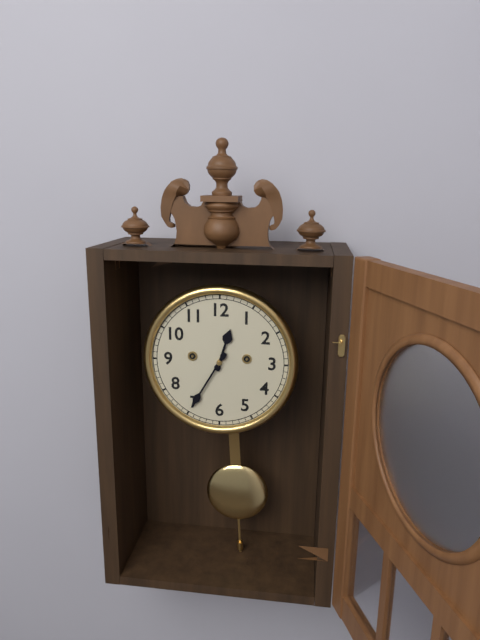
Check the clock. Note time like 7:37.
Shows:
12:35
